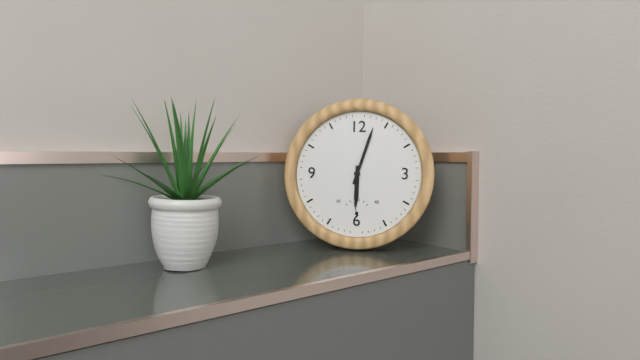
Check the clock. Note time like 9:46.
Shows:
6:03
